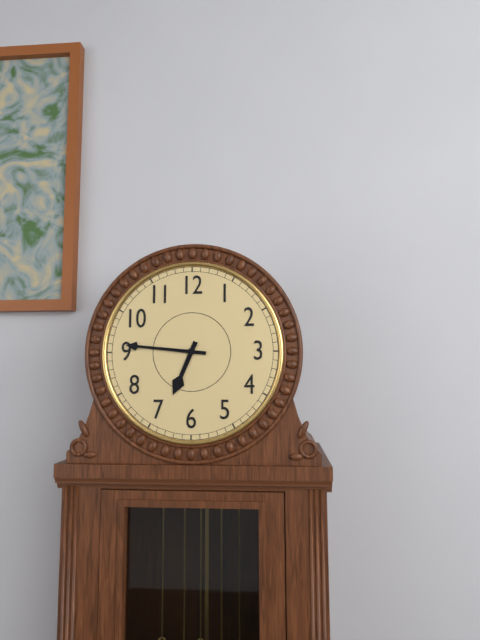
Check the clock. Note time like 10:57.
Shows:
6:46
